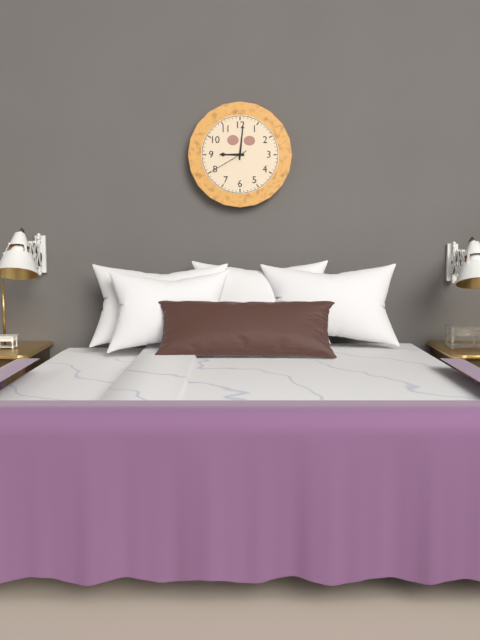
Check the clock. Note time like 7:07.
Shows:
9:01
